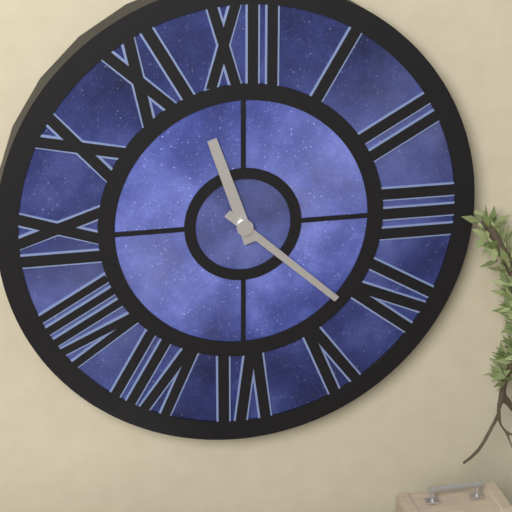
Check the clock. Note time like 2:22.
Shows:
11:22
